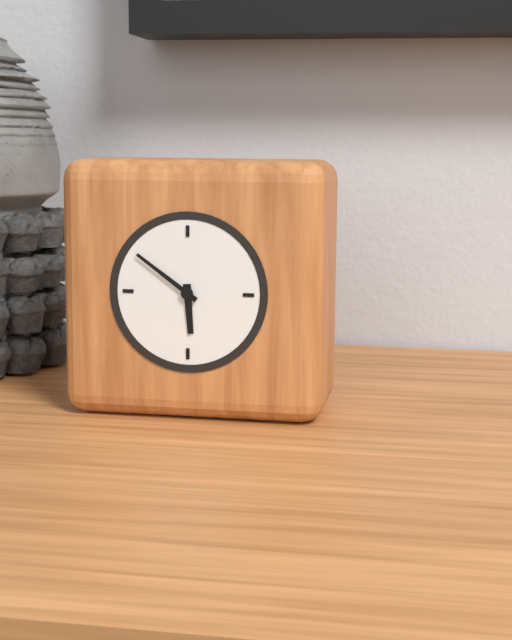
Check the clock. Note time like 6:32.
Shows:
5:51
